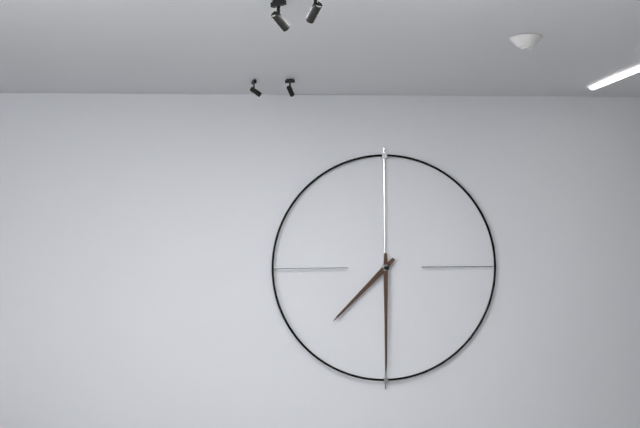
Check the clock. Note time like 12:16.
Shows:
7:30
